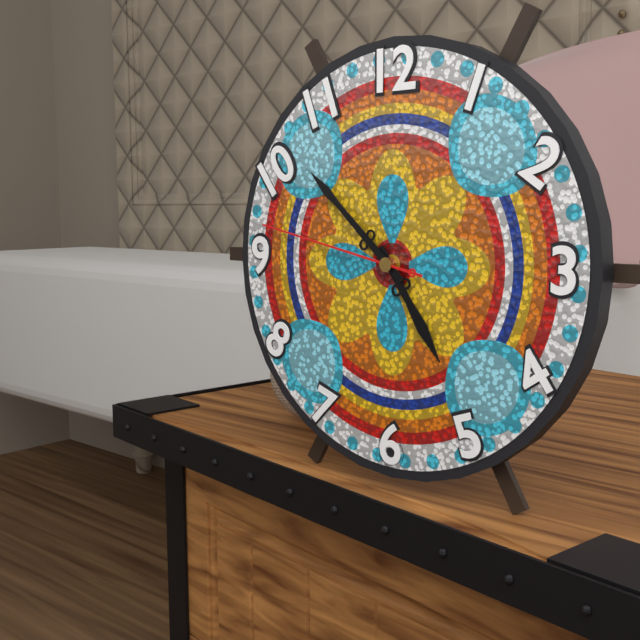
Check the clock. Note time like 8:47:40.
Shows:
4:52:47
